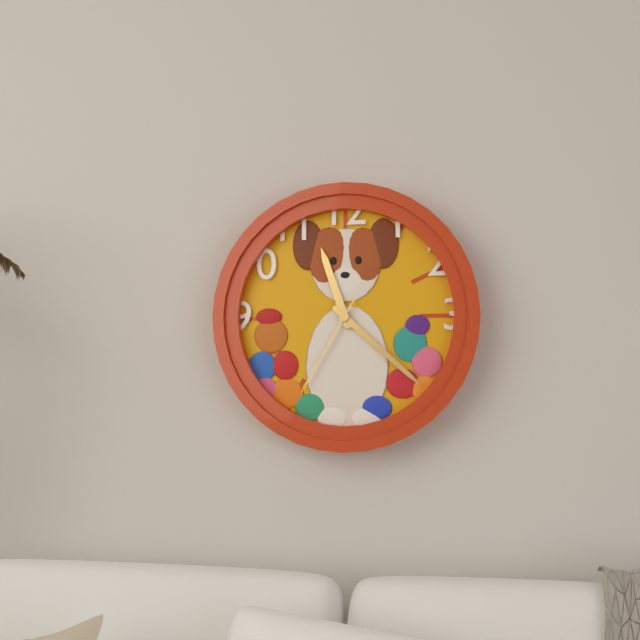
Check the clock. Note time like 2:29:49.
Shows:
11:22:35
